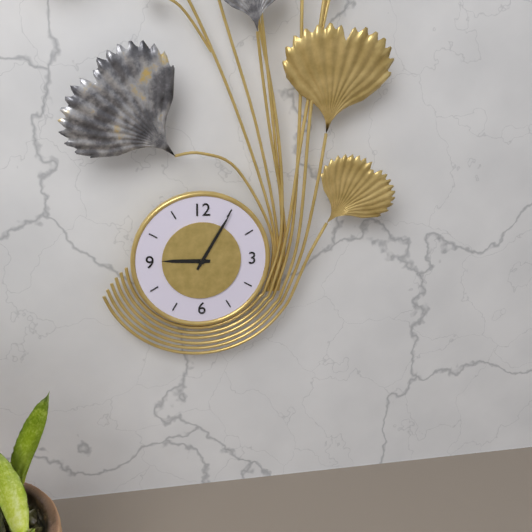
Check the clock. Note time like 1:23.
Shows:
9:05
